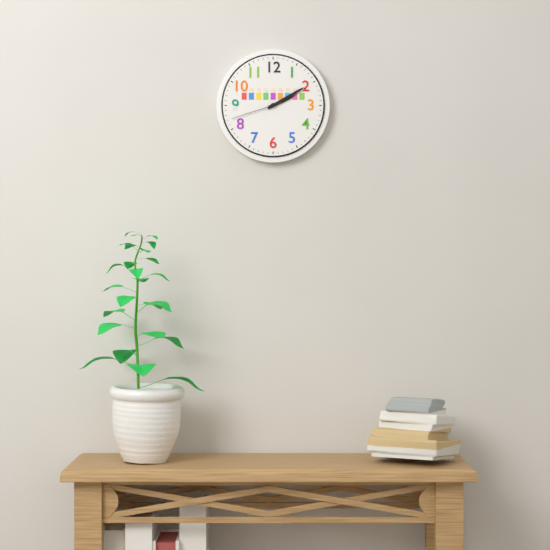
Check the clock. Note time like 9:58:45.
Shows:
2:10:42
